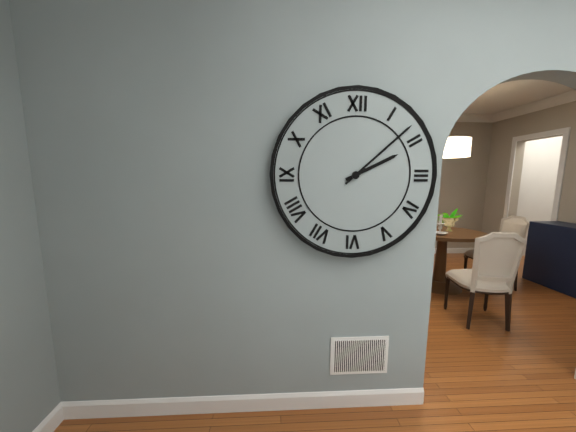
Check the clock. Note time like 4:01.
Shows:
2:08
